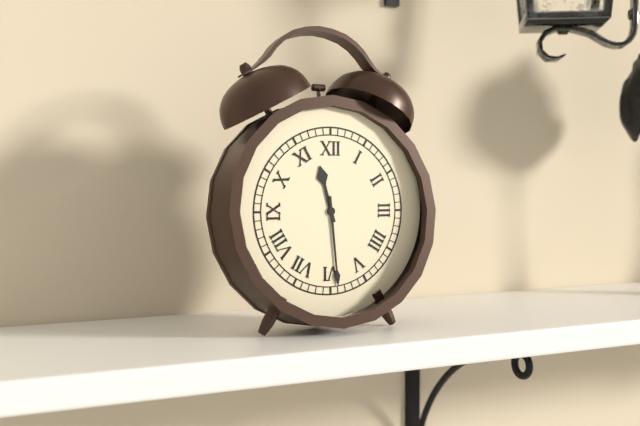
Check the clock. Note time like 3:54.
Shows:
11:29
